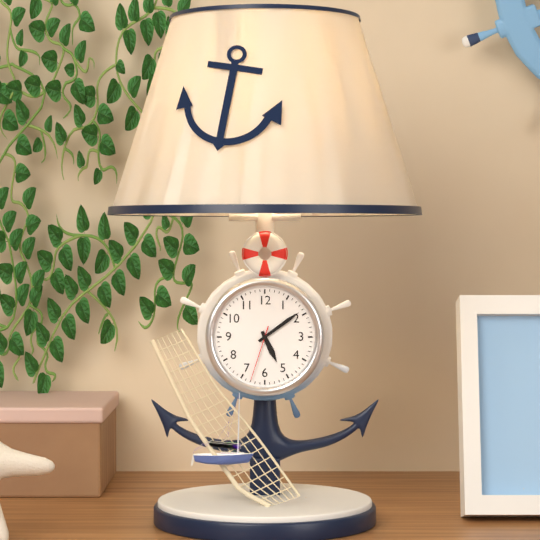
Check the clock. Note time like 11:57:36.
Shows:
5:09:33
